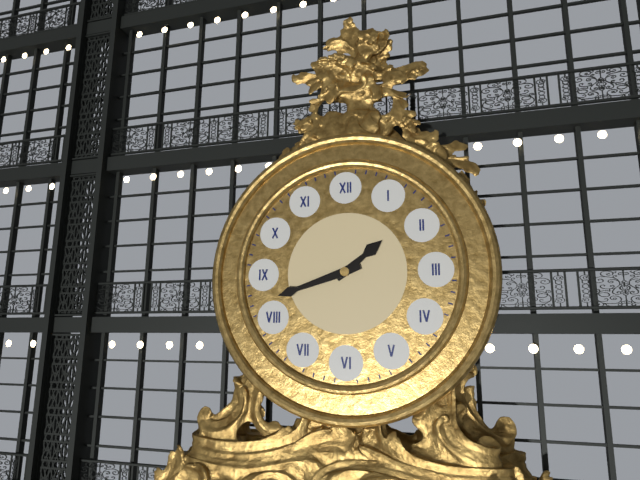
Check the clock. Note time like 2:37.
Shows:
1:42
